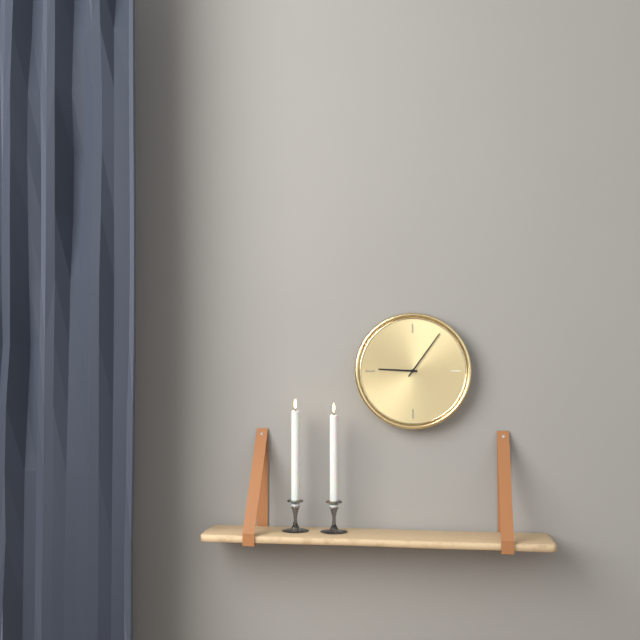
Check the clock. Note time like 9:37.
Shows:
9:06
